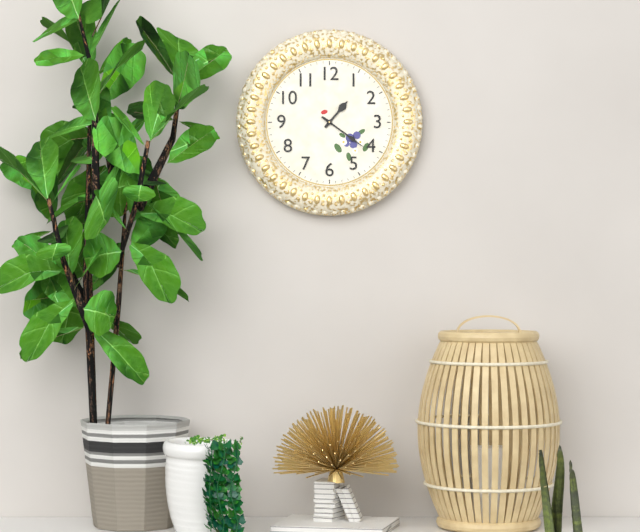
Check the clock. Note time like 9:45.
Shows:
1:21
